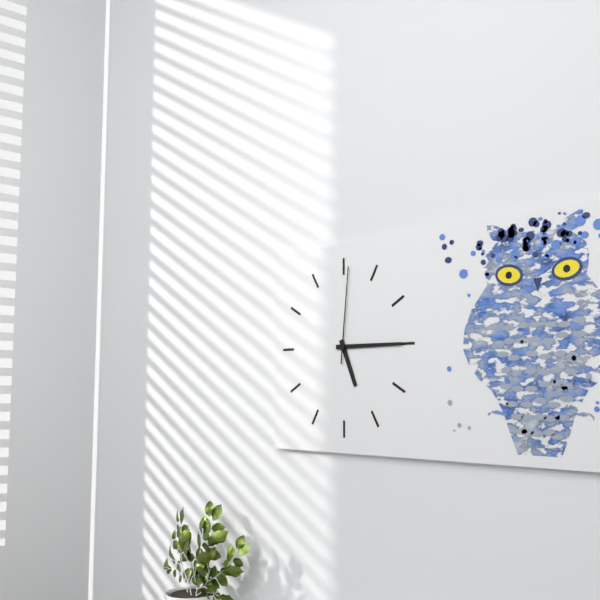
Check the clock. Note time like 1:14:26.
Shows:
5:15:01
